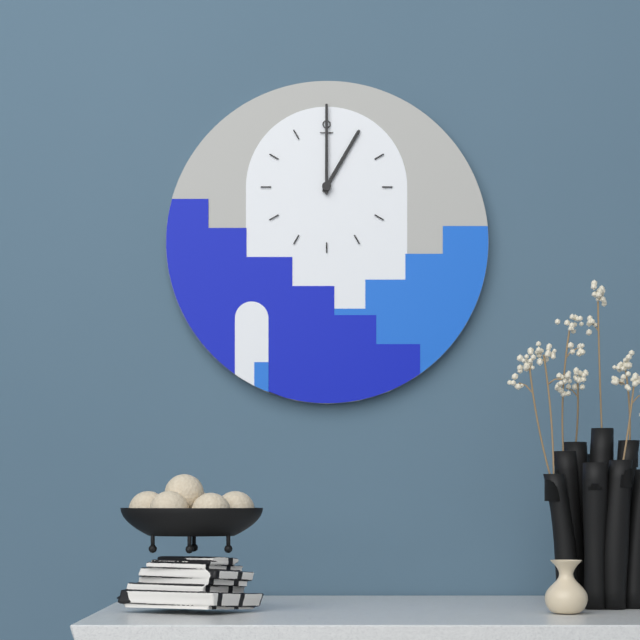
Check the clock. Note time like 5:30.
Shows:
1:00
